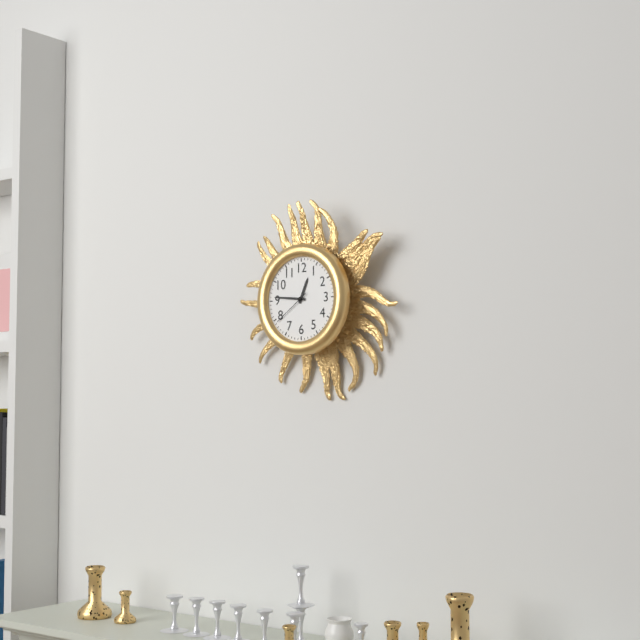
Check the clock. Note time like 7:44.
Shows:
12:46
